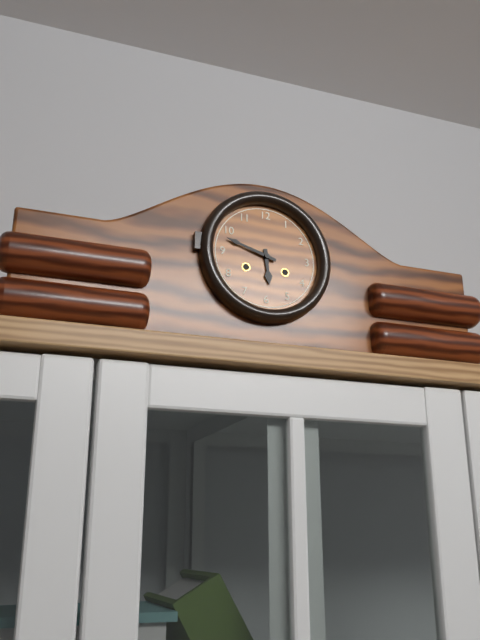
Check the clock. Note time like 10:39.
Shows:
5:48
